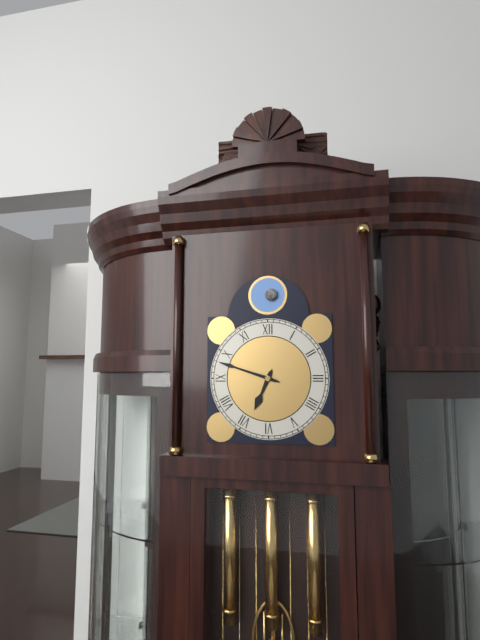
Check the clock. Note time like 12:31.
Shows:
6:48
